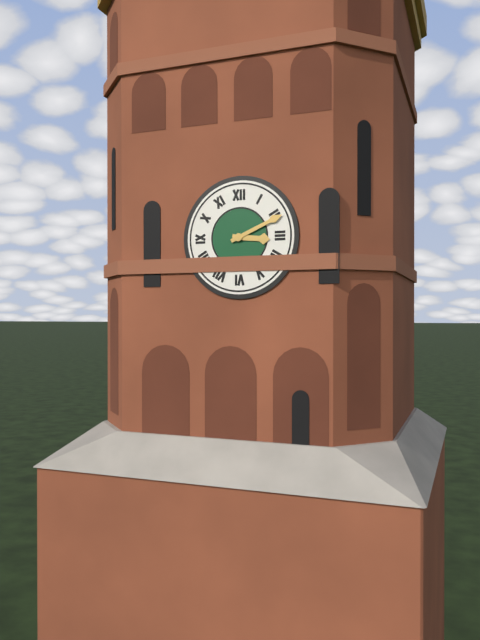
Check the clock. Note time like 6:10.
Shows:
3:11
